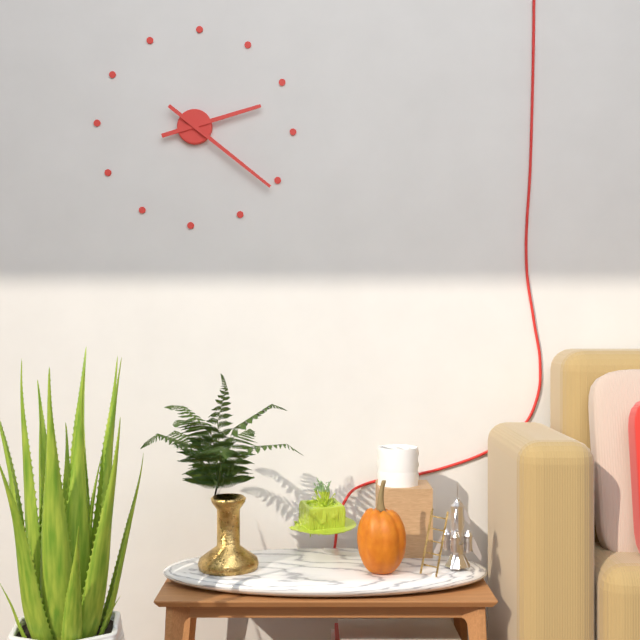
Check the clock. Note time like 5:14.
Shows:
2:21
